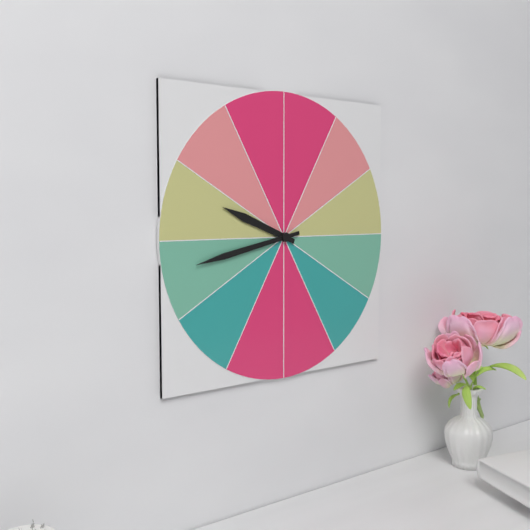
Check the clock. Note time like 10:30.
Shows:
9:43
